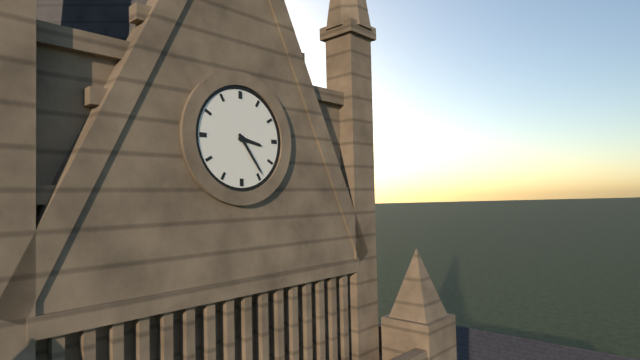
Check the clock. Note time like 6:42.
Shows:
3:24
